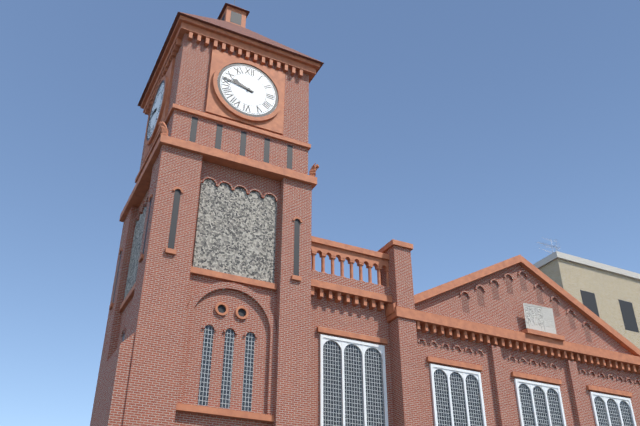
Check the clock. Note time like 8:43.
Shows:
9:47
